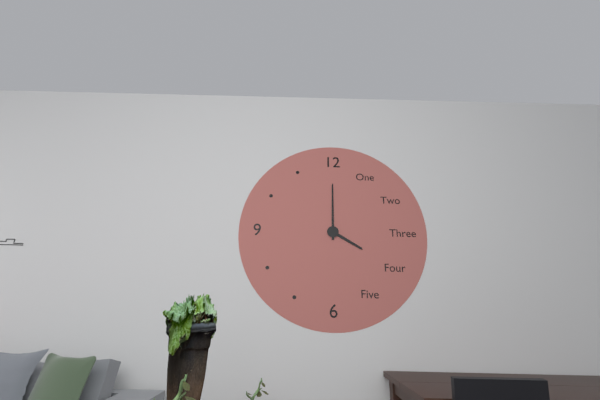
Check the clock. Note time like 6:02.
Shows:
4:00
